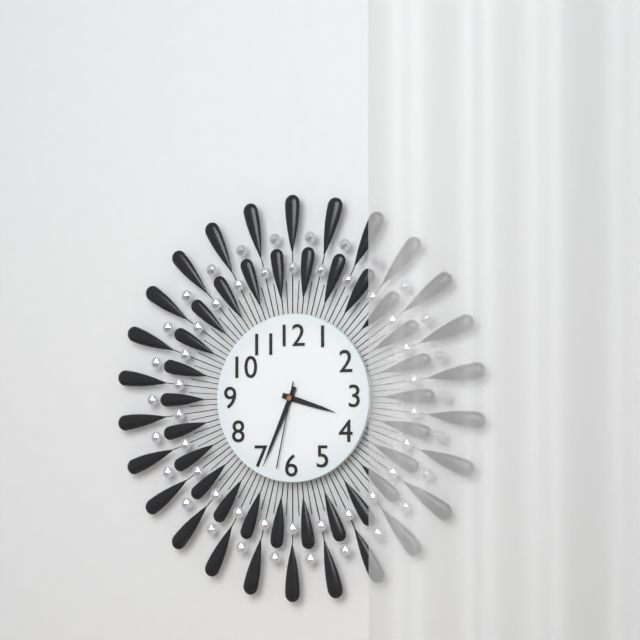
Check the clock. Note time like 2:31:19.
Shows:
3:34:32
